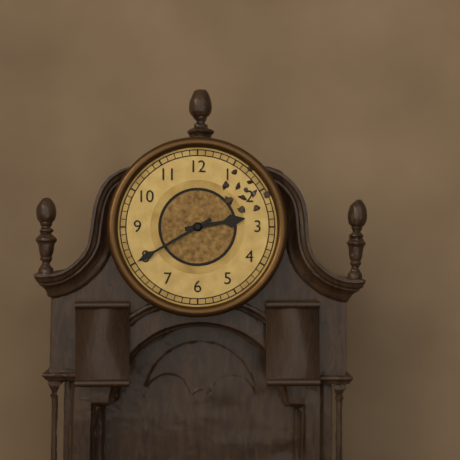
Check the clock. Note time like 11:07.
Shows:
2:40
